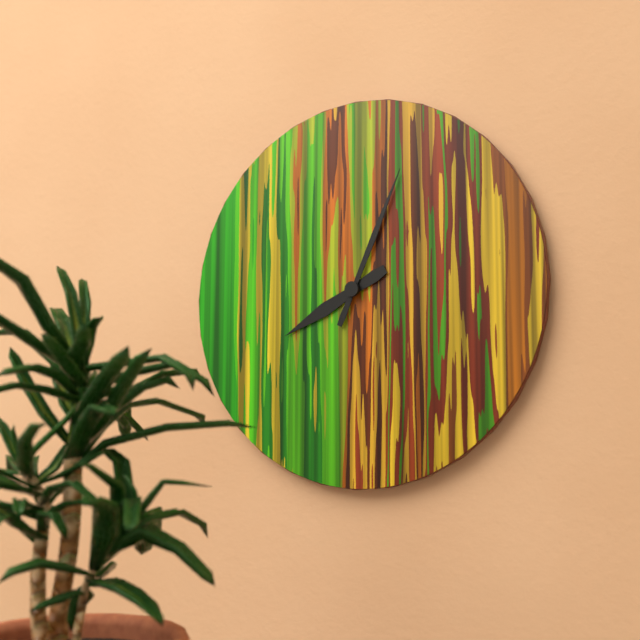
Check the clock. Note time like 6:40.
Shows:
8:04
